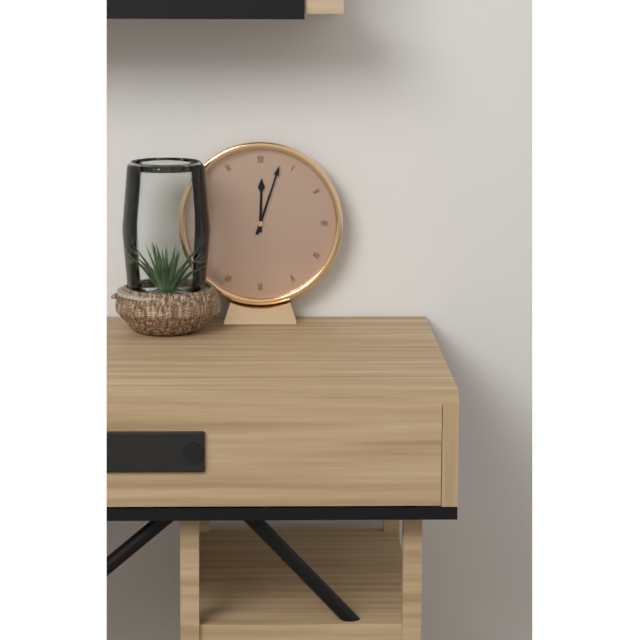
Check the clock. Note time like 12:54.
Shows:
12:03
